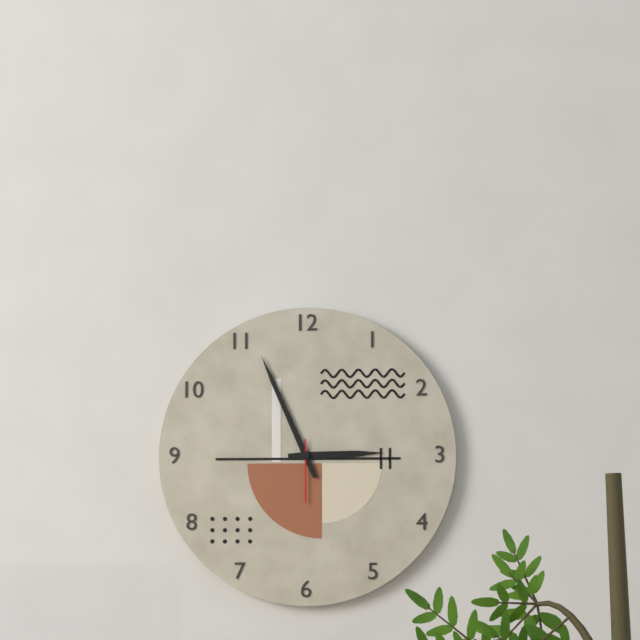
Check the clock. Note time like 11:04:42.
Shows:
2:56:30
